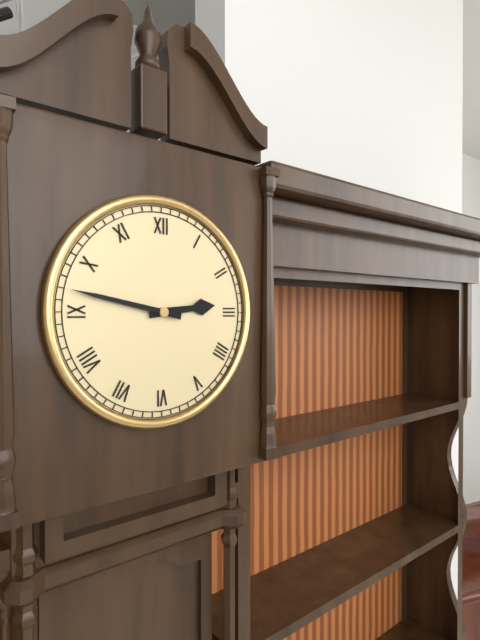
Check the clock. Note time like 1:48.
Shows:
2:47
